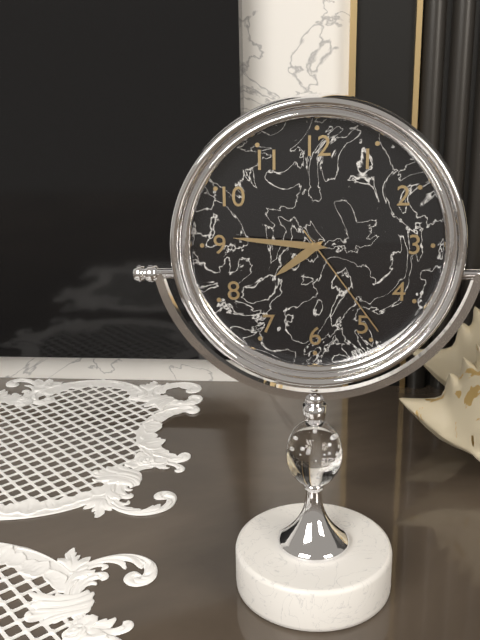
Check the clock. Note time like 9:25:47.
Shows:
7:46:24
